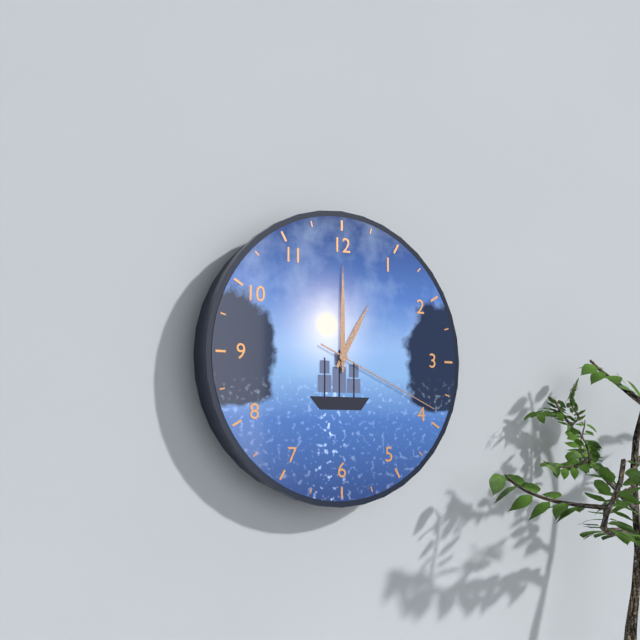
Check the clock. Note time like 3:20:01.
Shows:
1:00:19
